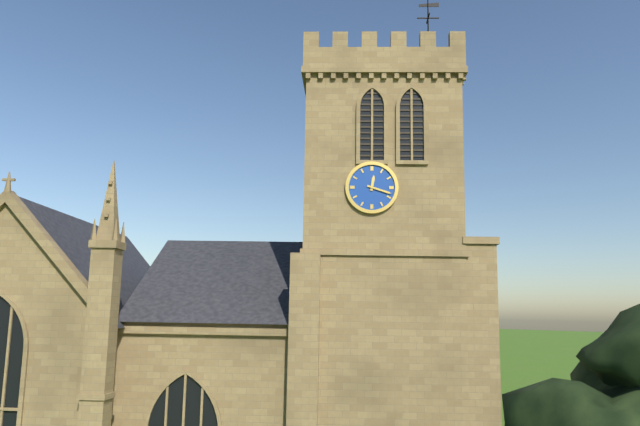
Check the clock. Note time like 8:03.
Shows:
12:18
